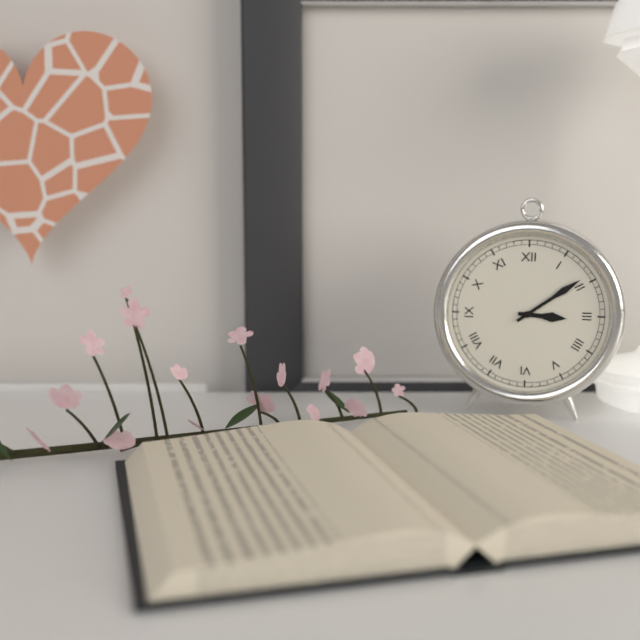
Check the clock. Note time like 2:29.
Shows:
3:09
